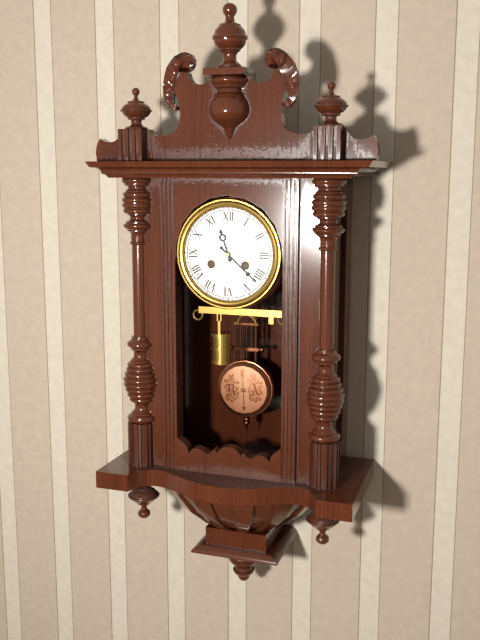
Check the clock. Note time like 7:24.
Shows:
11:22
